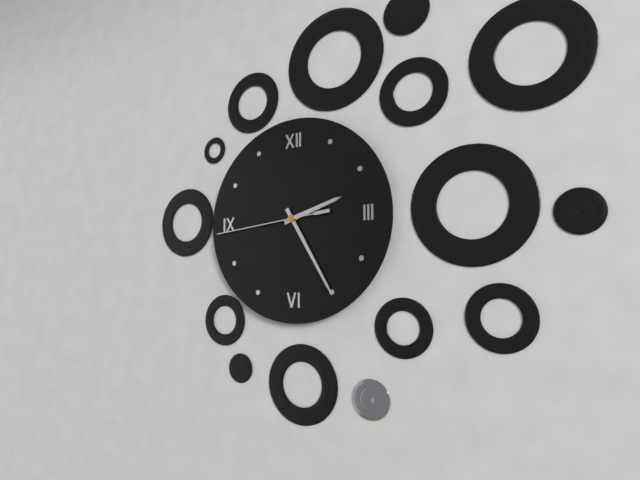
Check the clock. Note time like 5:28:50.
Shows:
2:25:44
